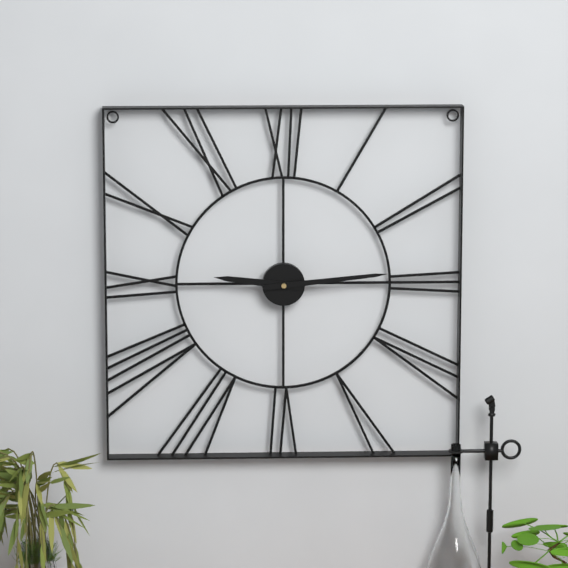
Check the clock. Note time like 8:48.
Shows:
9:14
